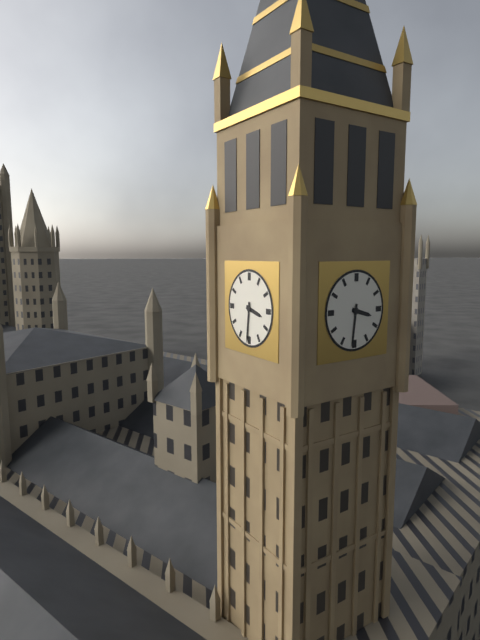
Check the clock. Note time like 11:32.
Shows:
3:31
